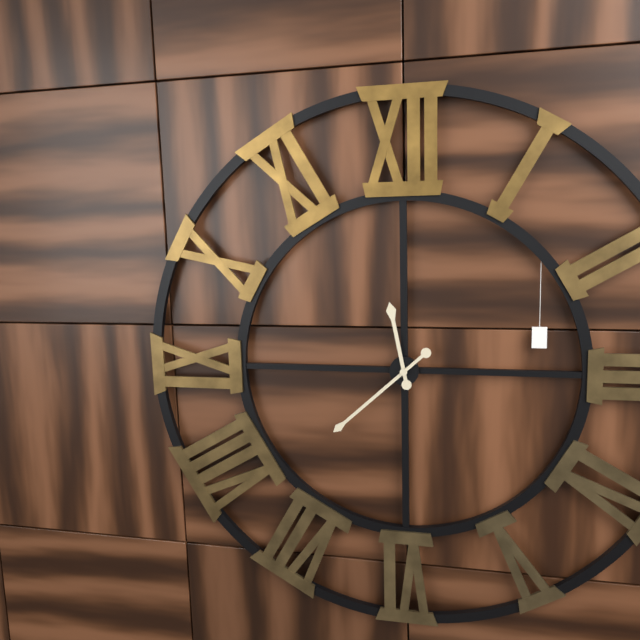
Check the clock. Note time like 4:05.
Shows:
11:38
